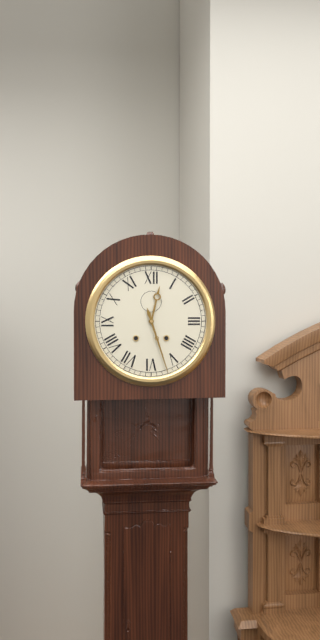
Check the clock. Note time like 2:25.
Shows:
12:27
